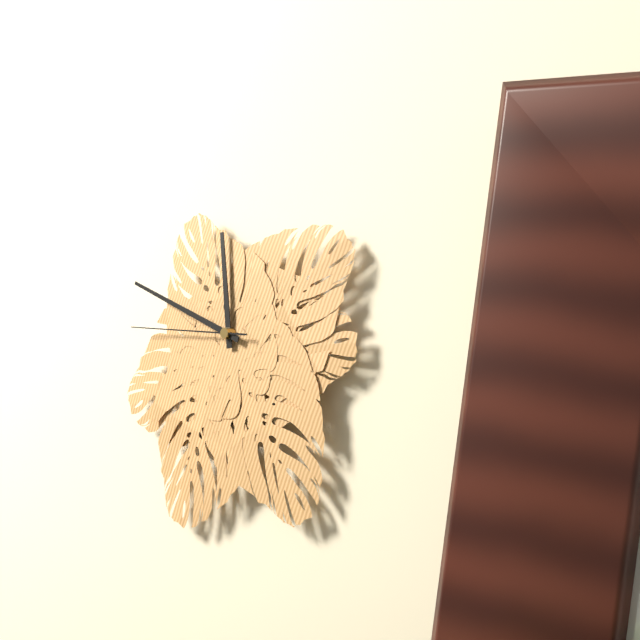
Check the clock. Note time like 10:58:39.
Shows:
11:49:46
